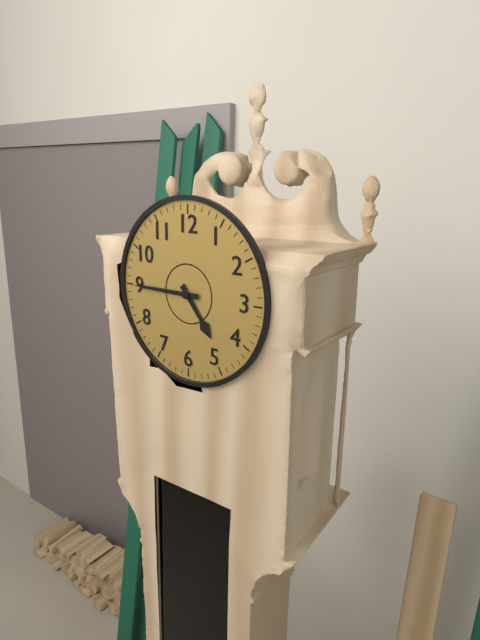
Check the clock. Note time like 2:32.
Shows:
4:45
